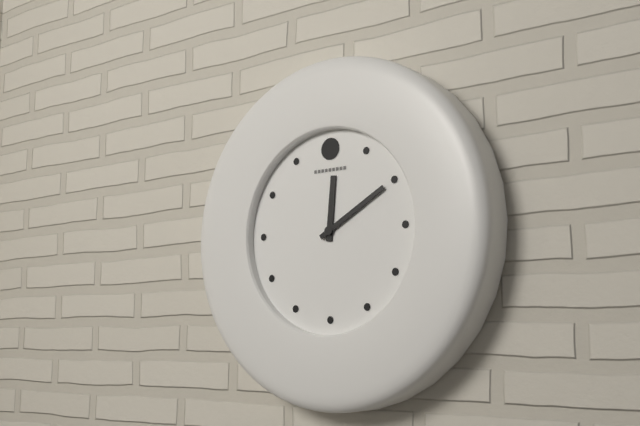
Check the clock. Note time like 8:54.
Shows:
12:10
